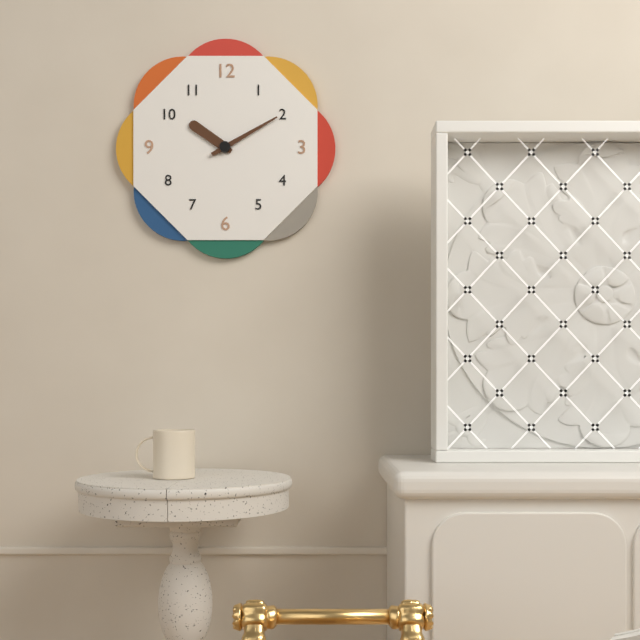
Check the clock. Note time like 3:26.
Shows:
10:10
